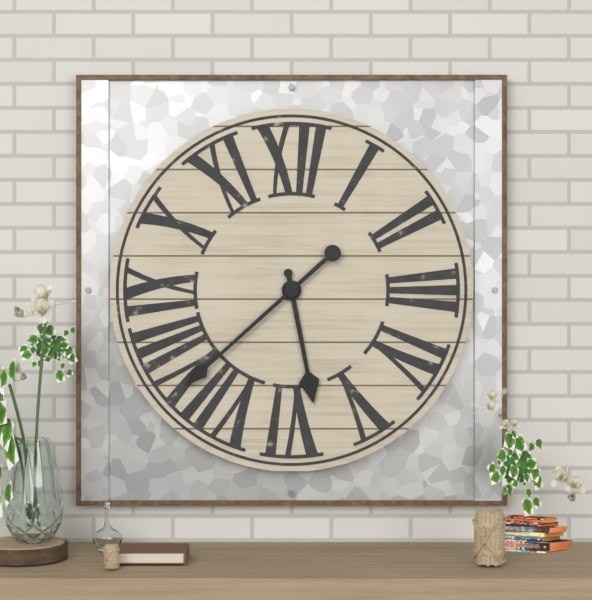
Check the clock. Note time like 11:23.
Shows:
5:38
